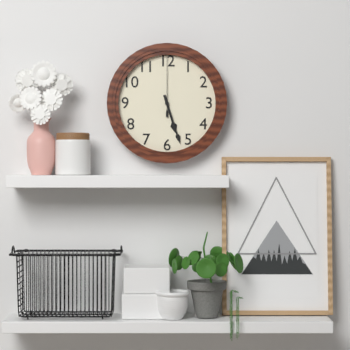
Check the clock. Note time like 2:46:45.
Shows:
5:27:00
